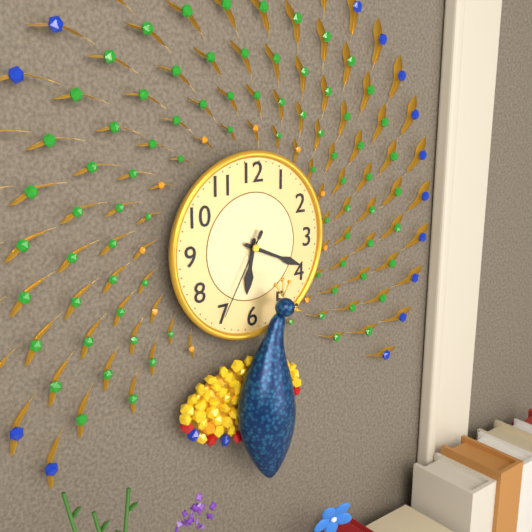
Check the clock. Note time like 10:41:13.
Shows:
6:19:35
